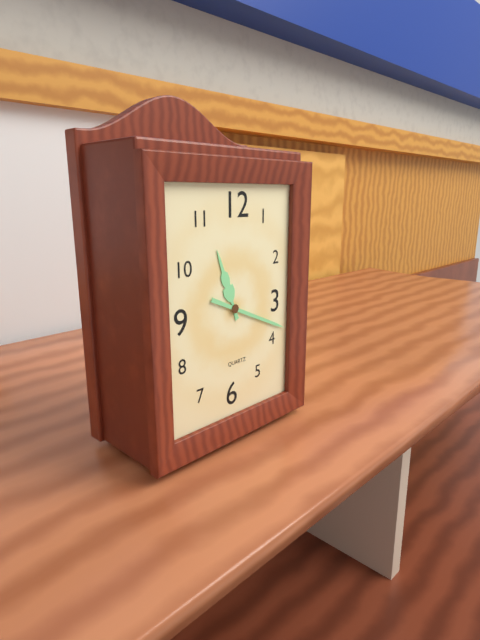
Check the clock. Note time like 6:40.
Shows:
11:19
